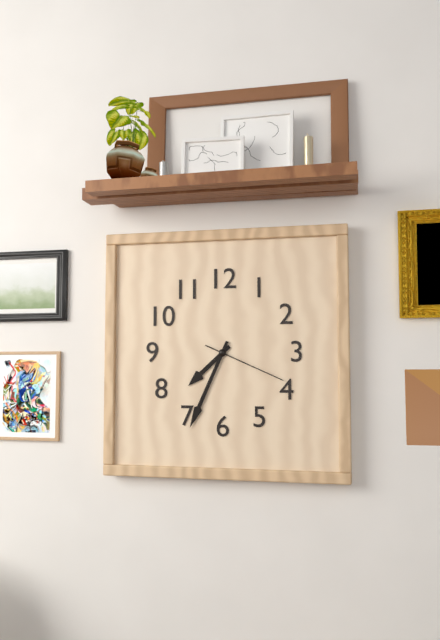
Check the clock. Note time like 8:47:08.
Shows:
7:34:19
